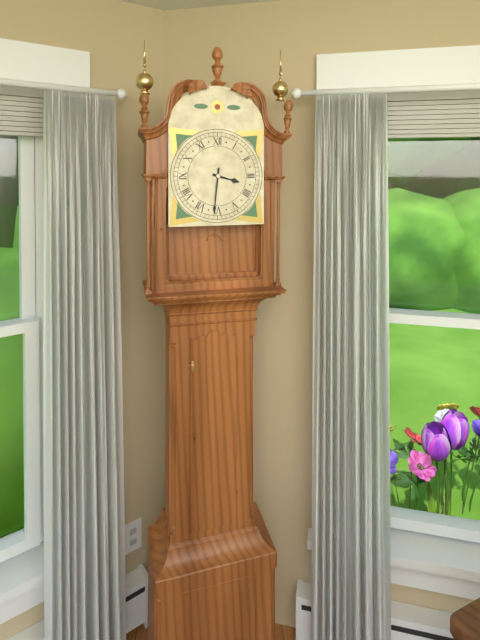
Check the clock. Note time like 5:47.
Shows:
3:31
